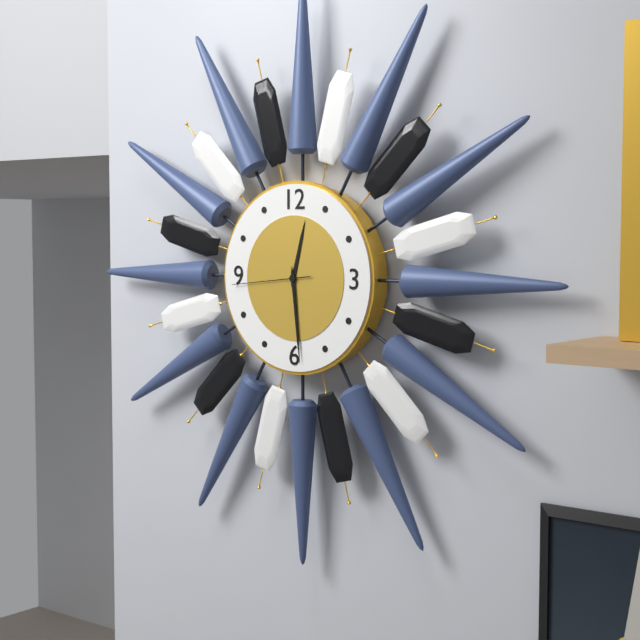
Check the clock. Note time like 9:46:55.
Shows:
12:29:44
